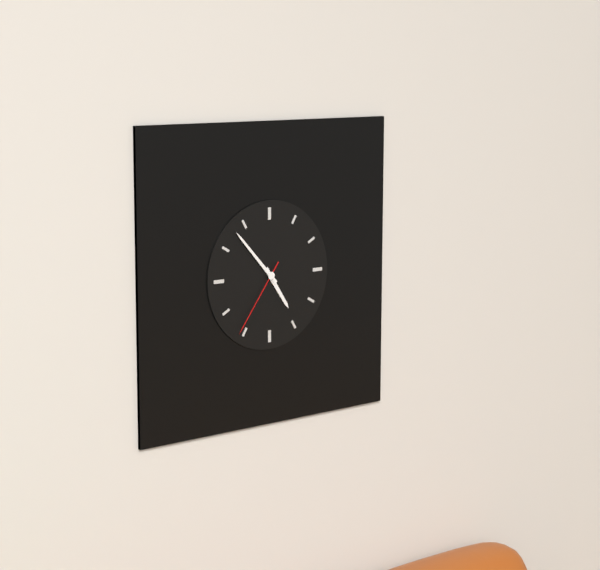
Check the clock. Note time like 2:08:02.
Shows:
4:53:36
